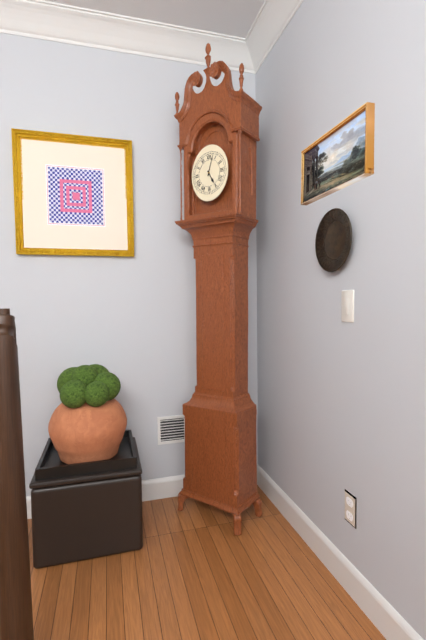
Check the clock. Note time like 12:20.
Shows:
5:03
